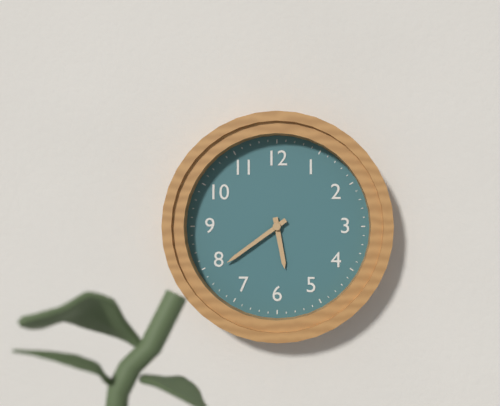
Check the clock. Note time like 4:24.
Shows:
5:39
